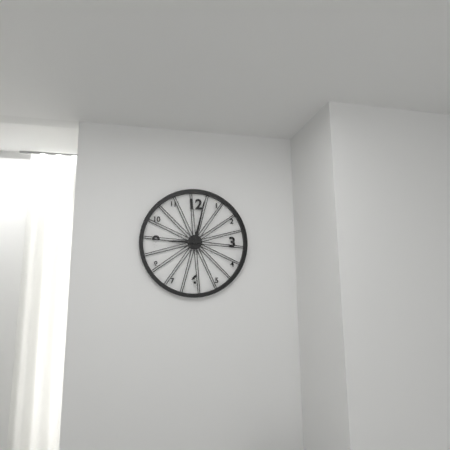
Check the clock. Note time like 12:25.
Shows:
9:02
